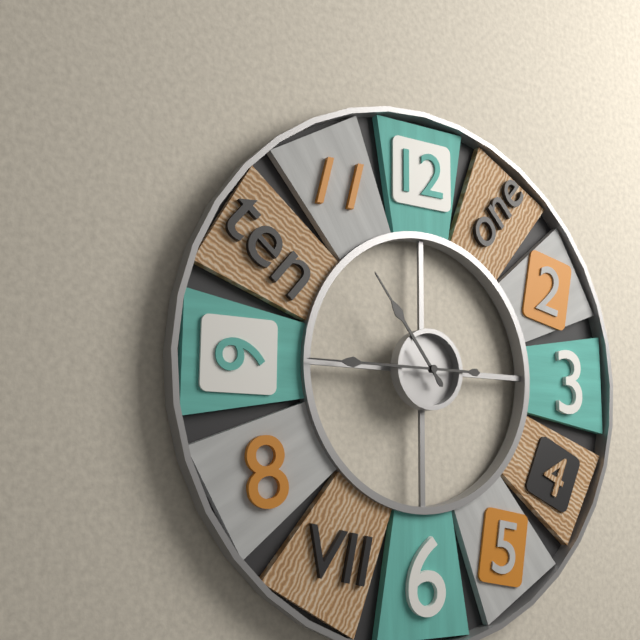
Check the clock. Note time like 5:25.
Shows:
10:45
